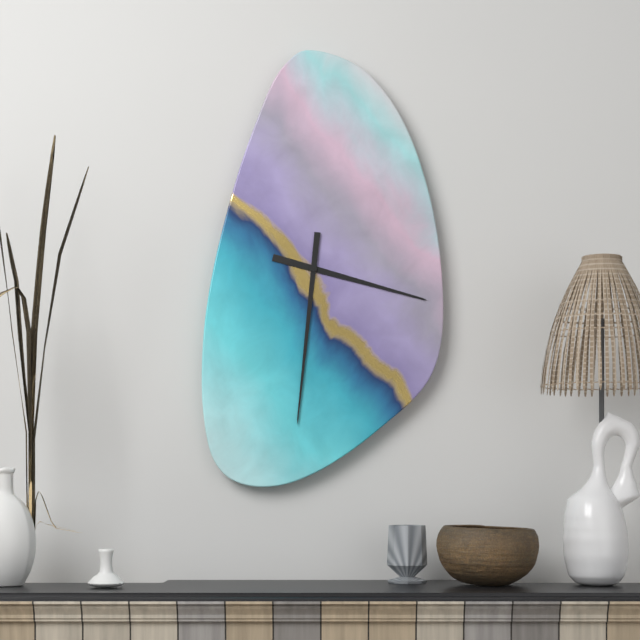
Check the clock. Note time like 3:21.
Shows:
3:31
